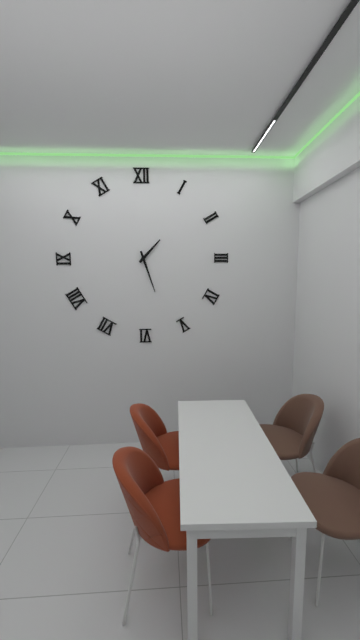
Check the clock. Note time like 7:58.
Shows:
1:27
